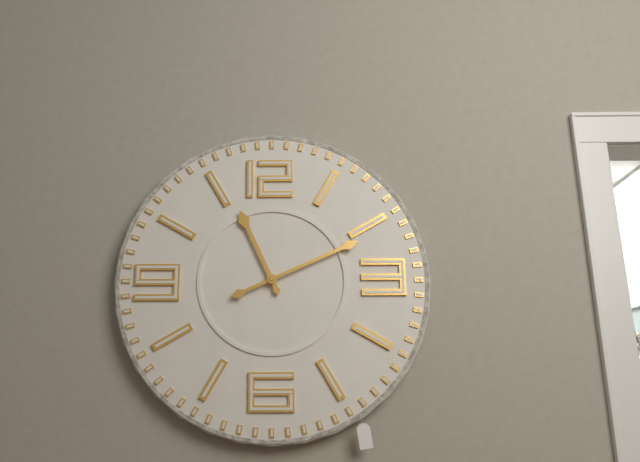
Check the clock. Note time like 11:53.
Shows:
11:11
